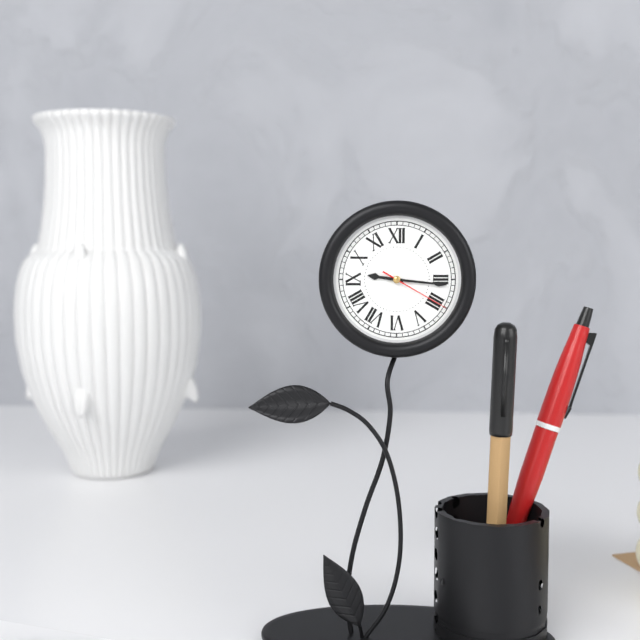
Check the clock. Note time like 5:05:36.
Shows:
9:16:20
